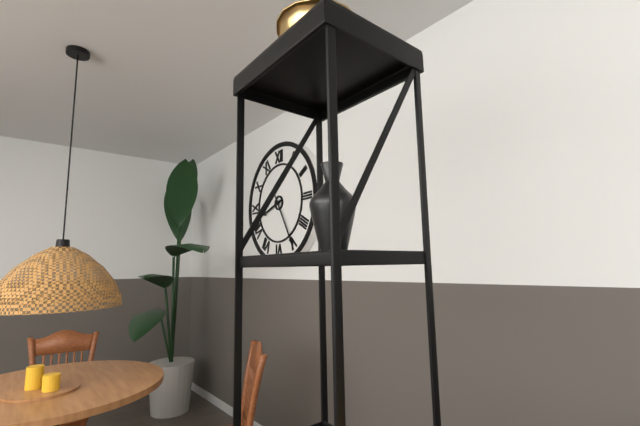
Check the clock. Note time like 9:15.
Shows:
8:25
